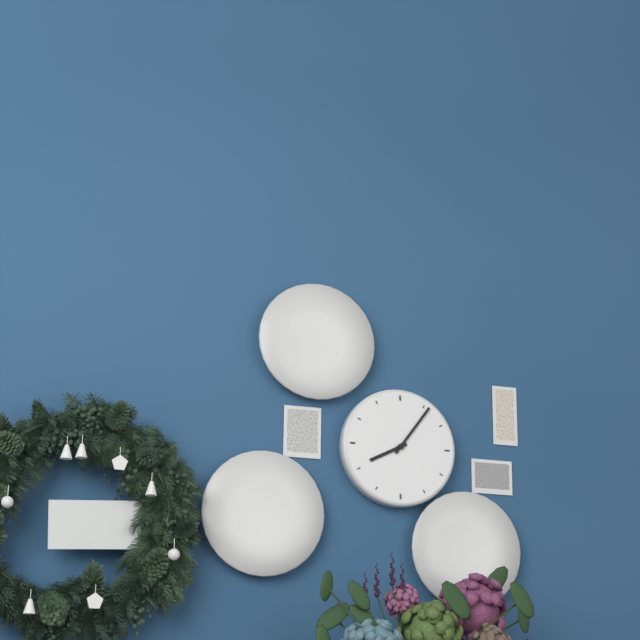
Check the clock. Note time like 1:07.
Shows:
8:06
